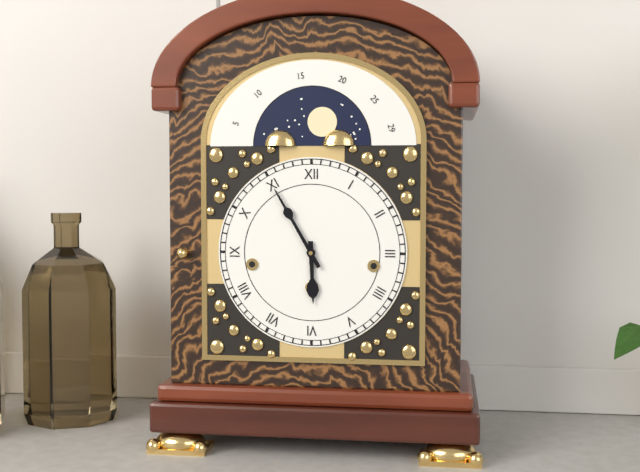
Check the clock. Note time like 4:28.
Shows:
5:55
